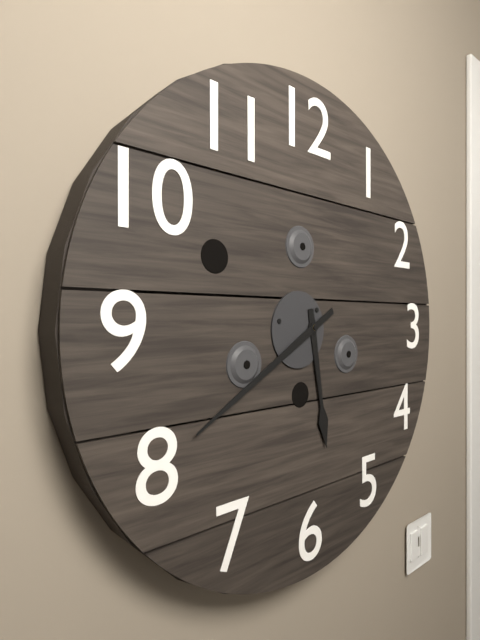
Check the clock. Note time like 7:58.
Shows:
5:40
